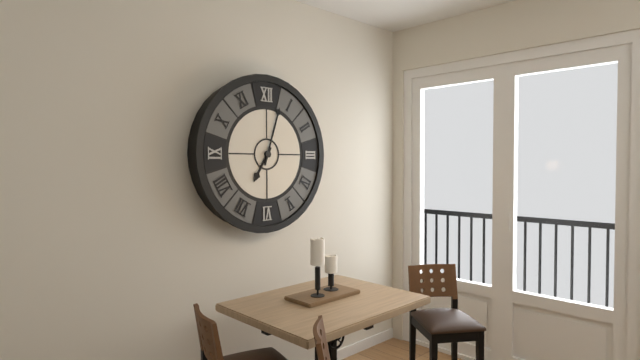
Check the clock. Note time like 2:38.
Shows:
7:03
